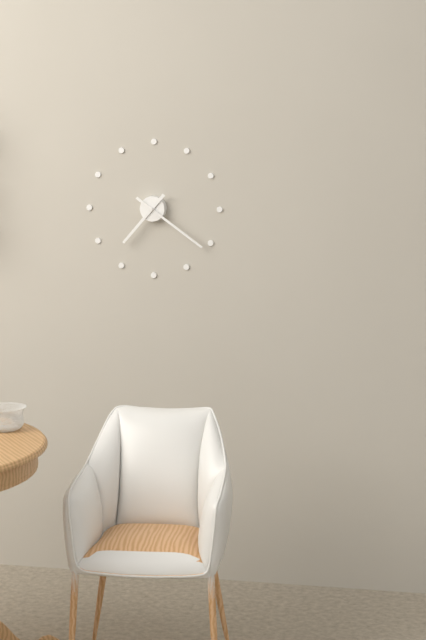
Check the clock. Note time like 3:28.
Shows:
7:21
